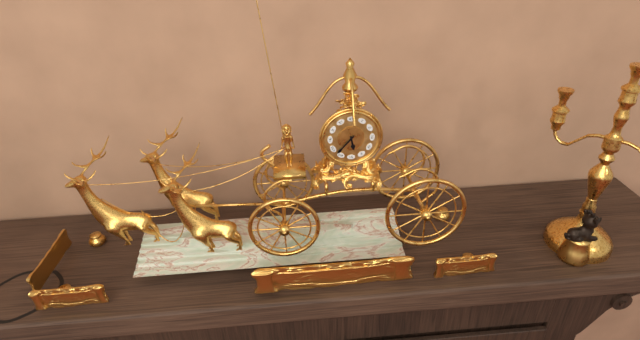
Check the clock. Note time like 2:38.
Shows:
5:37
